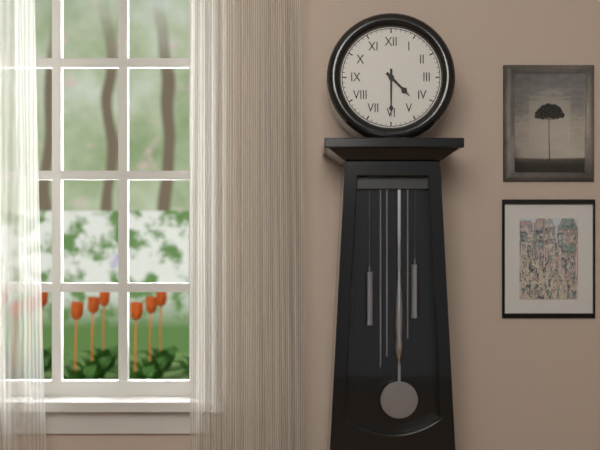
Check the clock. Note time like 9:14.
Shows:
4:30
